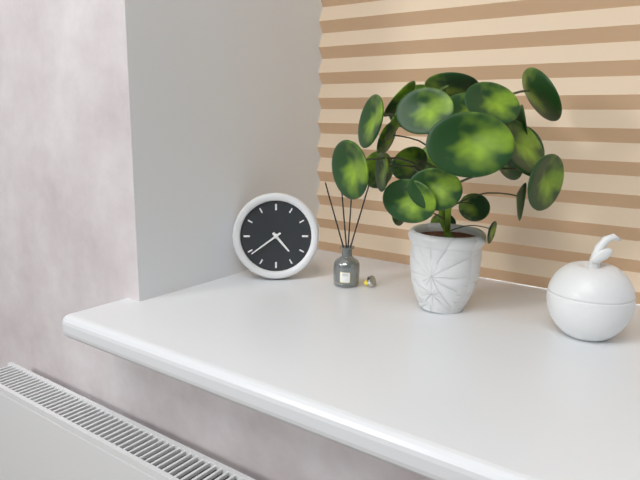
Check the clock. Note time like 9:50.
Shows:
4:39
